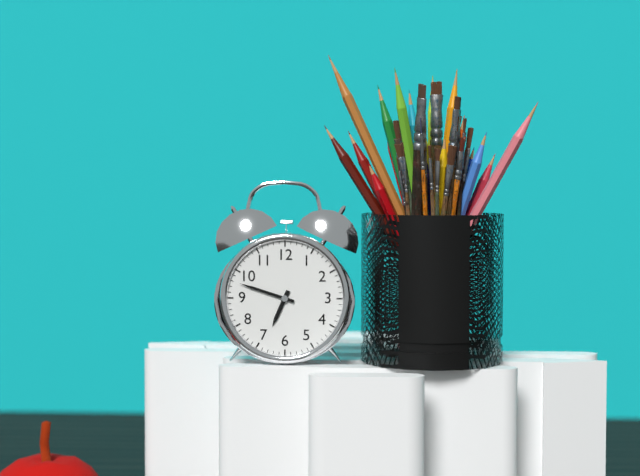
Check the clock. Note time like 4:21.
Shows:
6:48
